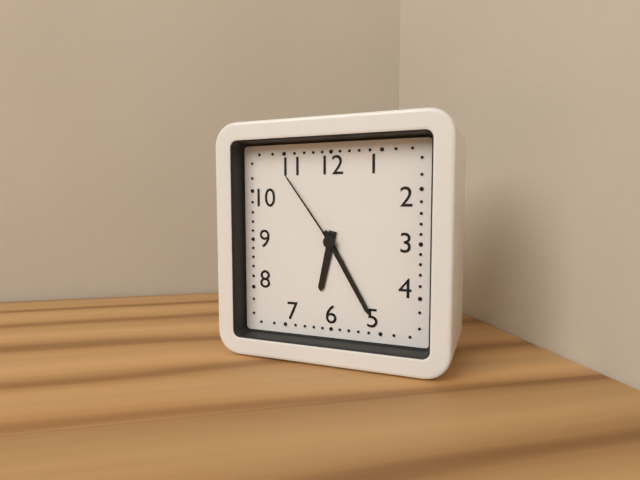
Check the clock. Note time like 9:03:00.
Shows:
6:25:54
